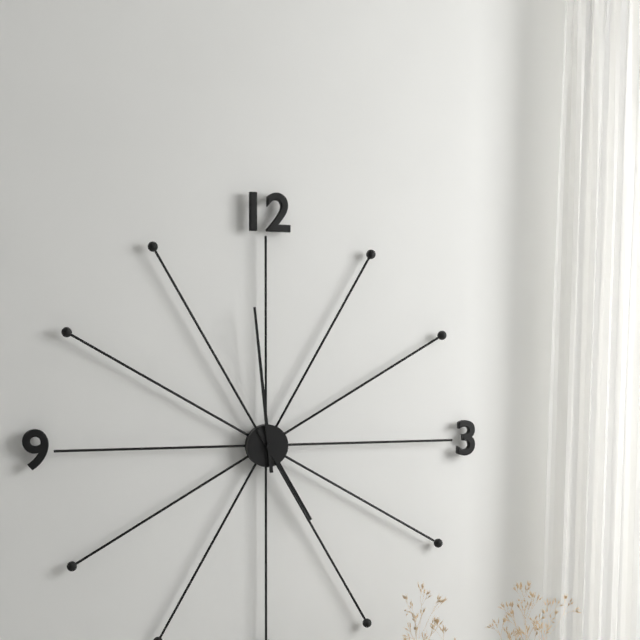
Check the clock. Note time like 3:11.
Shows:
4:59
